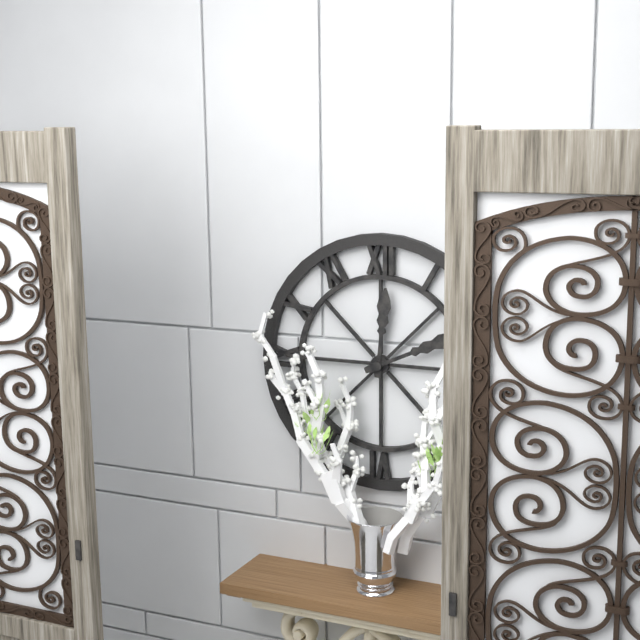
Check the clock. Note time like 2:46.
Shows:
12:11
